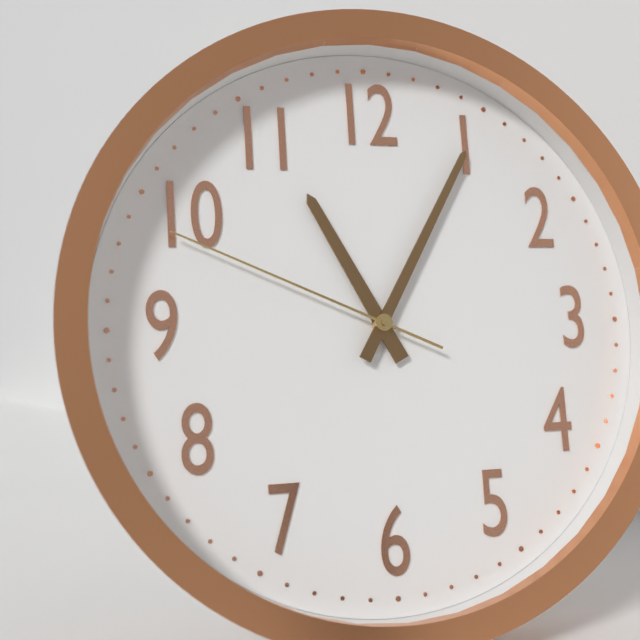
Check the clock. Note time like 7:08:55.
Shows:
11:05:49
